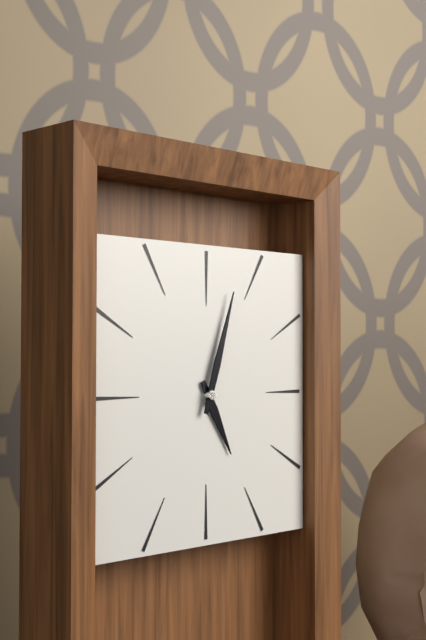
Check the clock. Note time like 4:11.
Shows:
5:03
